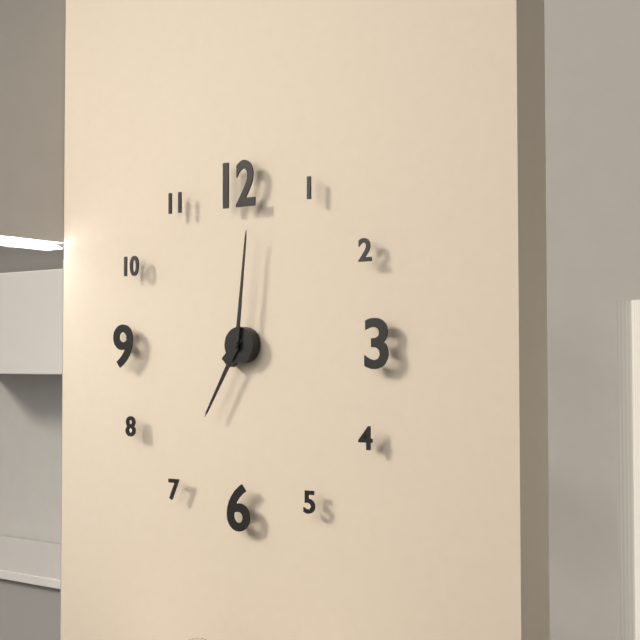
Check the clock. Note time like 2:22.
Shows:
7:01
